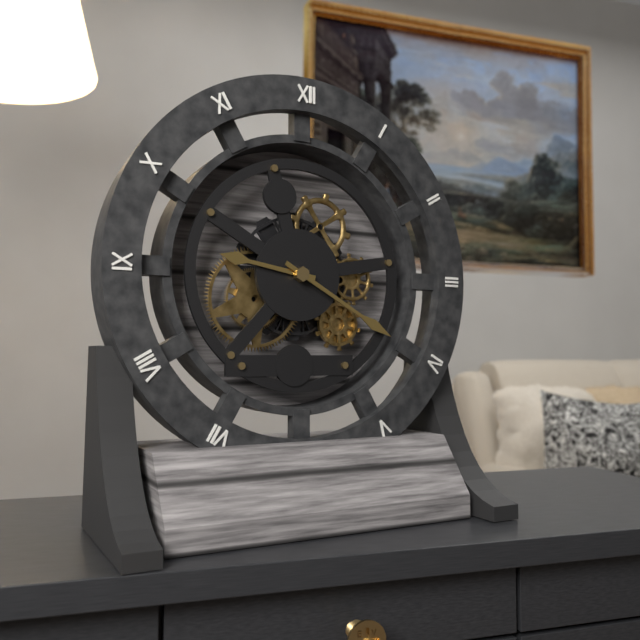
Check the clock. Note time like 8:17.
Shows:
9:20
